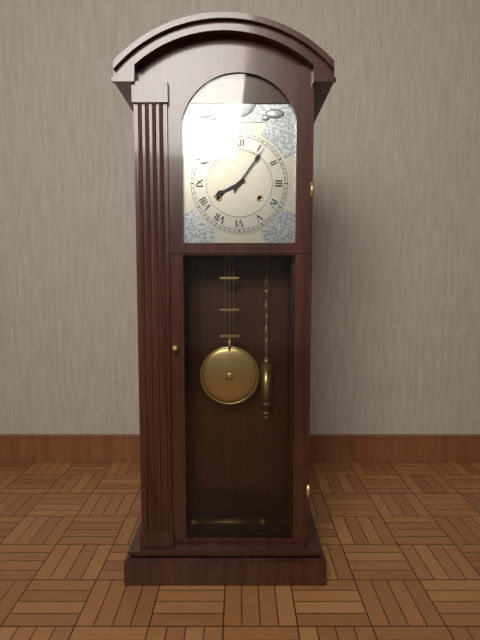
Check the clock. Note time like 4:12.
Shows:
8:06
